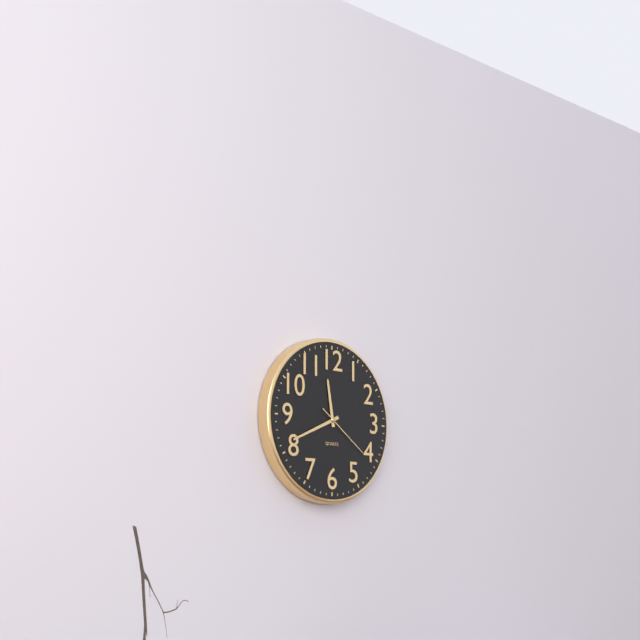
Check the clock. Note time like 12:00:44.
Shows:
11:41:21
